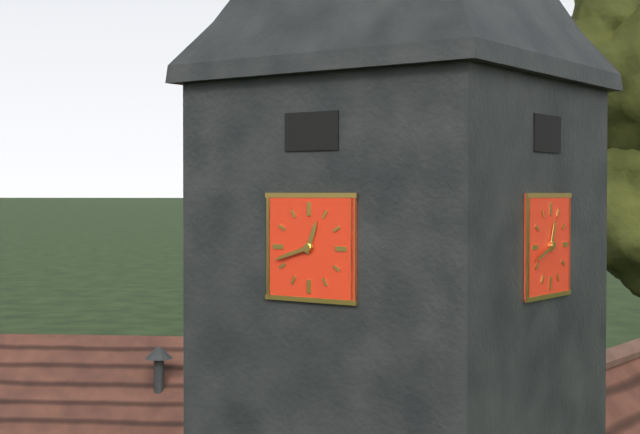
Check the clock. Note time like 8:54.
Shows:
12:42
